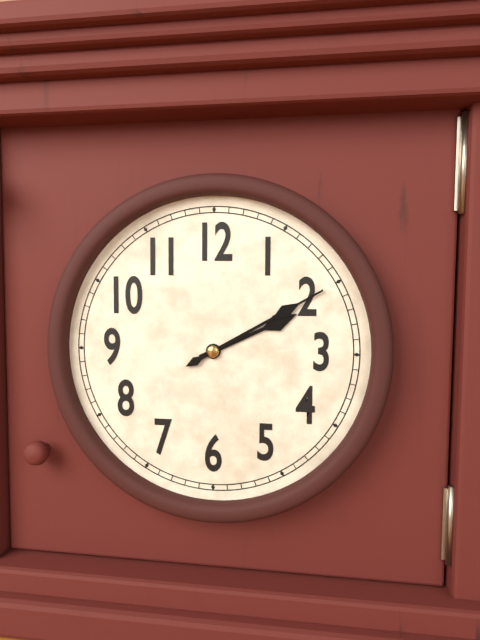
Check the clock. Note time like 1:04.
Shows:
2:10
